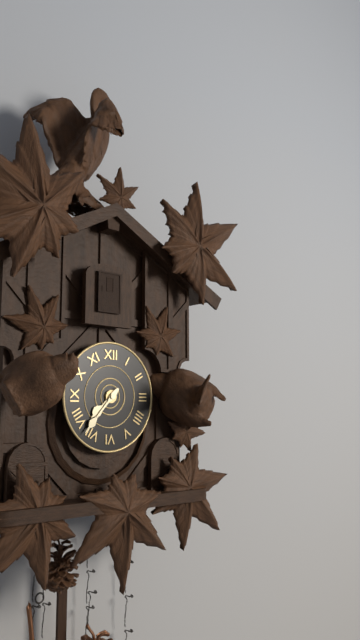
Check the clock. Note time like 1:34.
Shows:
7:37
